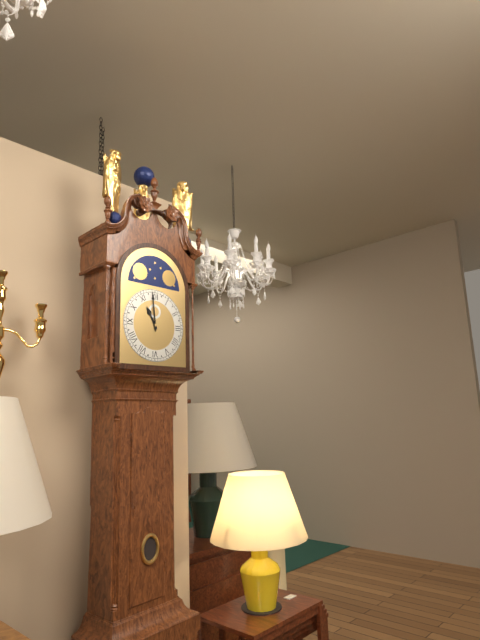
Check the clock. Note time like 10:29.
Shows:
10:59
